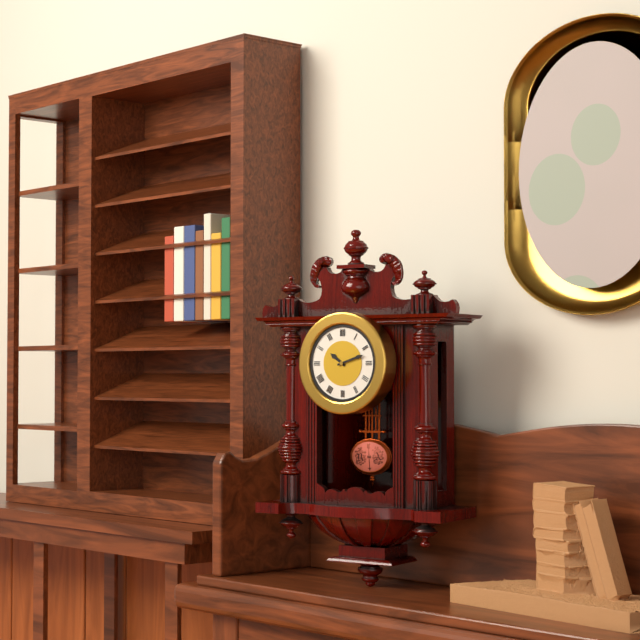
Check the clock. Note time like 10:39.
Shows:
10:12
